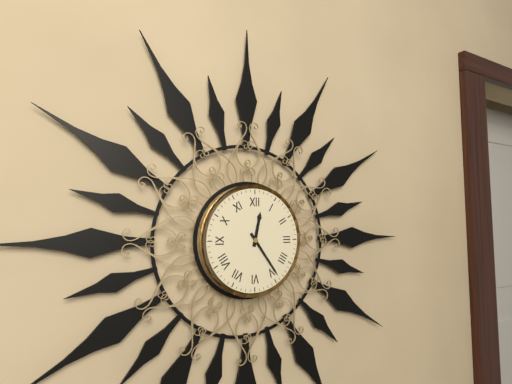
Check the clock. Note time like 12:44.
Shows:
12:24
